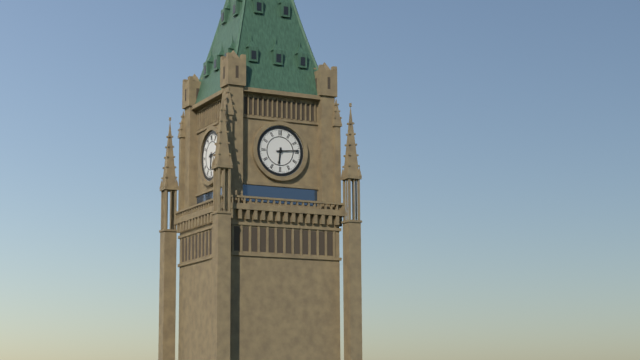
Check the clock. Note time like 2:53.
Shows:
6:14
